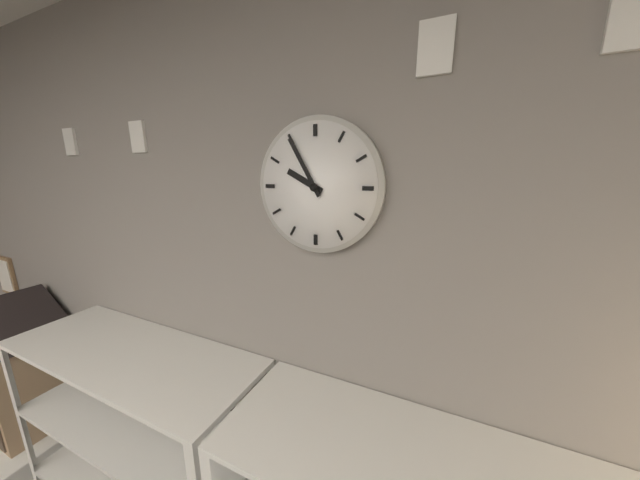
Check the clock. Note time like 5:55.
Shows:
9:55
